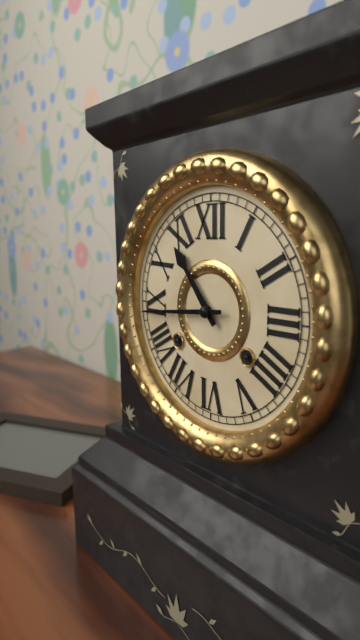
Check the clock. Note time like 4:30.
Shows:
10:44
